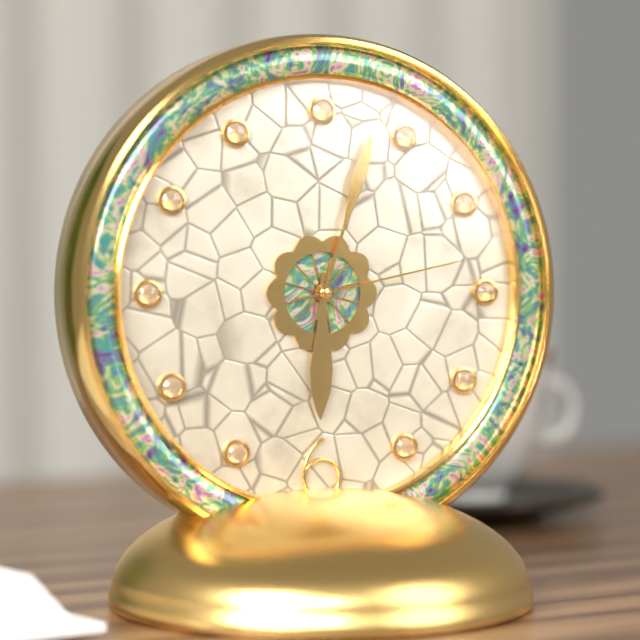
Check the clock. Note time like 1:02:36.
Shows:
6:03:13
